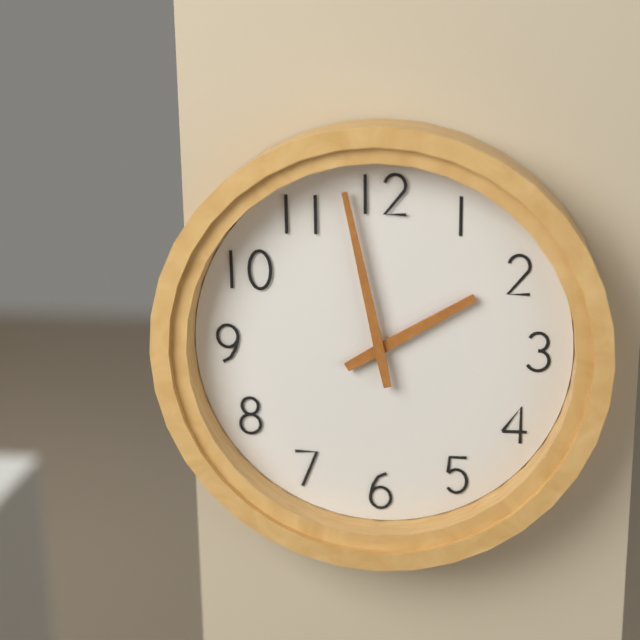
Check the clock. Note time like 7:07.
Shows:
1:58
